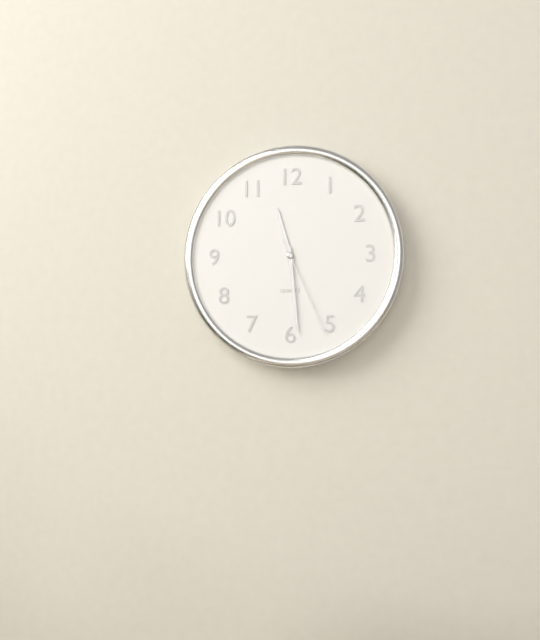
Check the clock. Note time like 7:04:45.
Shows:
11:29:26
